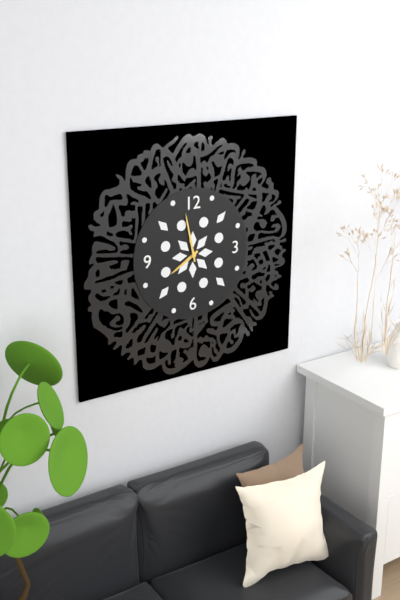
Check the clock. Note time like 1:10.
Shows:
7:58
